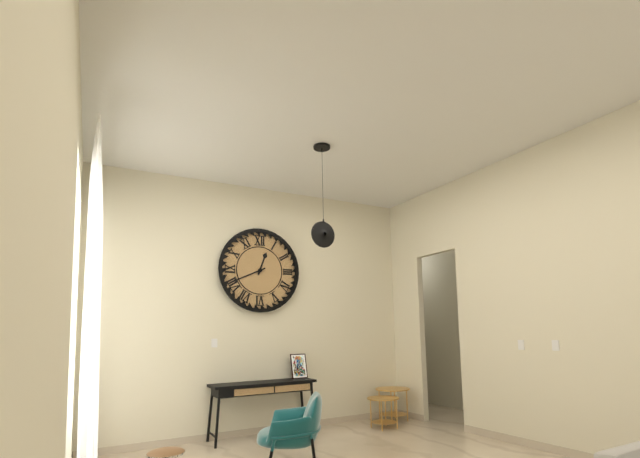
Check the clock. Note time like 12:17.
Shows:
12:41
